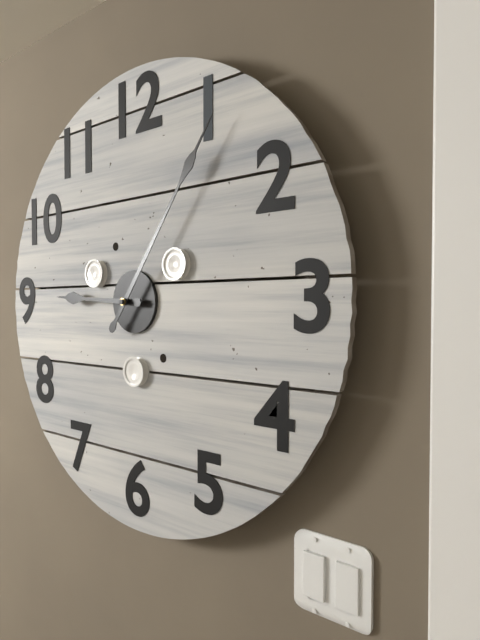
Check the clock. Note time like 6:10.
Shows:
9:06
